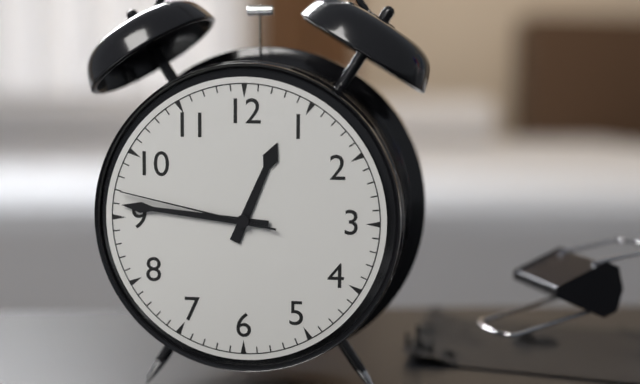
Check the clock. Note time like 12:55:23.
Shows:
12:46:47
